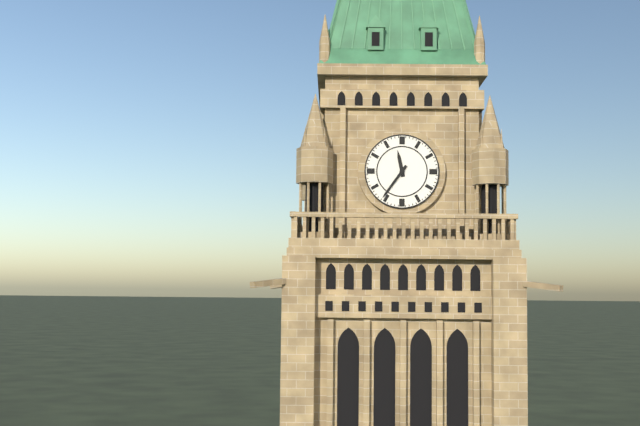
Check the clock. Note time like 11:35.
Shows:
11:36
